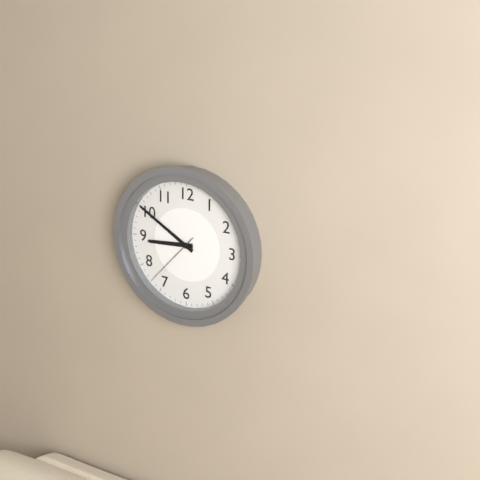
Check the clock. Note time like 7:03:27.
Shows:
8:50:37
